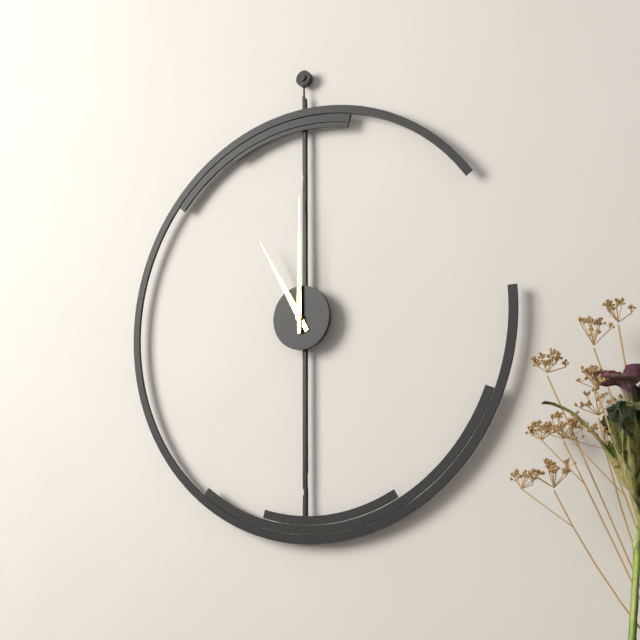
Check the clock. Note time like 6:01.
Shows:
11:00
